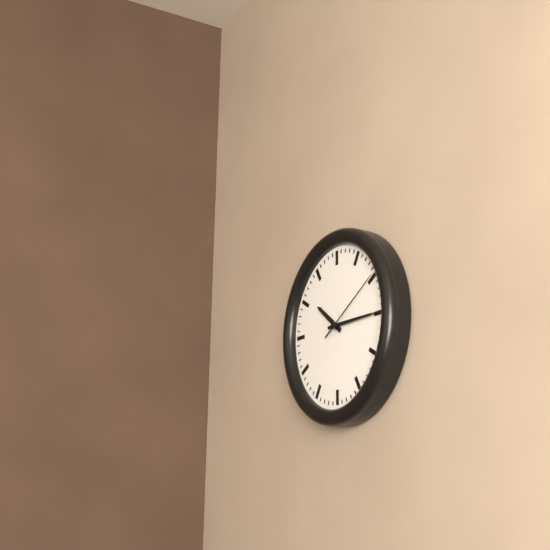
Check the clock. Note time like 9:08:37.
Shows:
10:15:10
